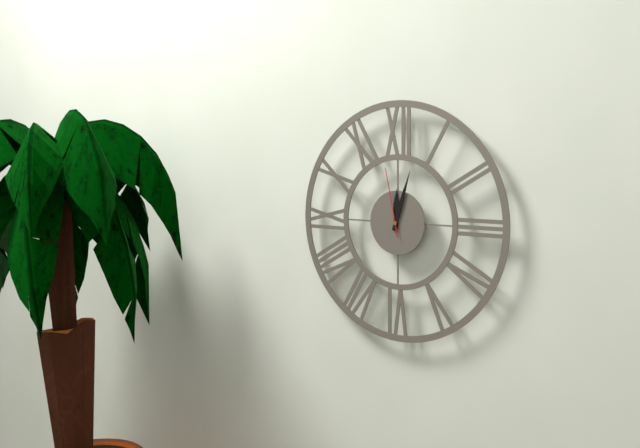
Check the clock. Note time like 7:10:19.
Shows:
12:03:58
